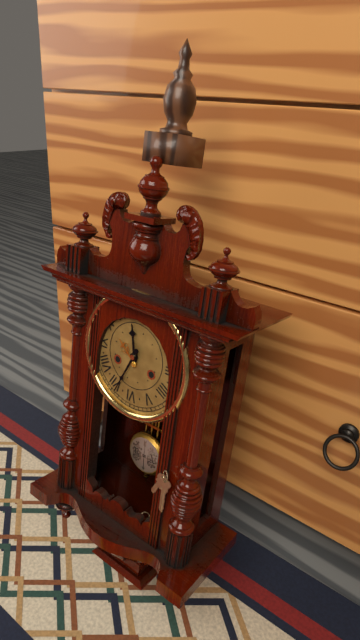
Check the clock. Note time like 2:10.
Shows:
11:34
